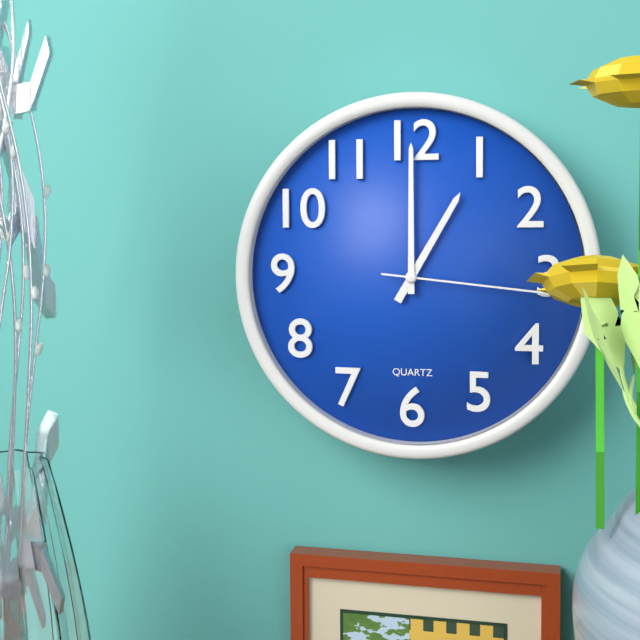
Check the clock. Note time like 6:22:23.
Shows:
1:00:16
